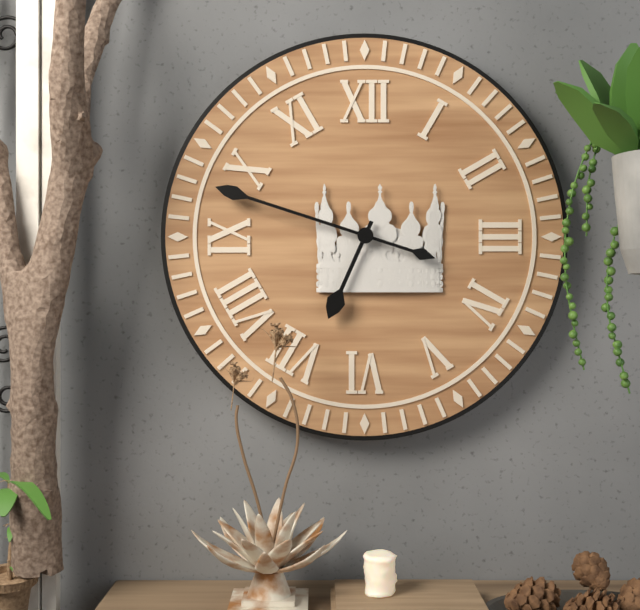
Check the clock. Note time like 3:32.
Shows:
6:48
